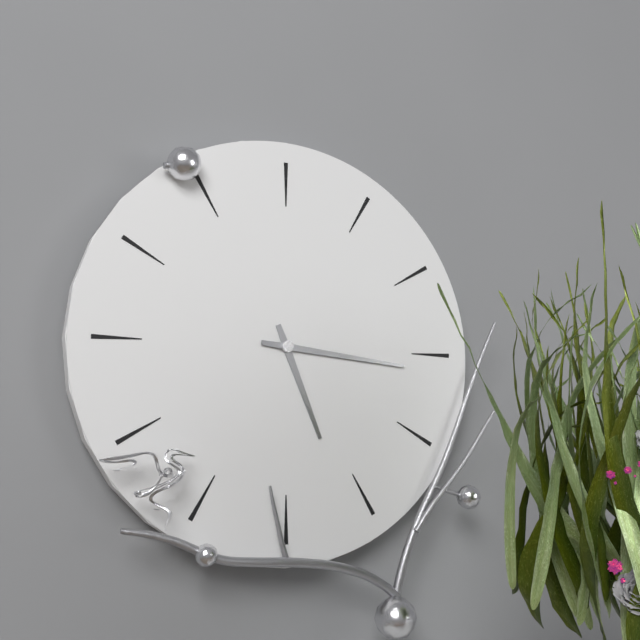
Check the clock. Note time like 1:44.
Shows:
5:16
